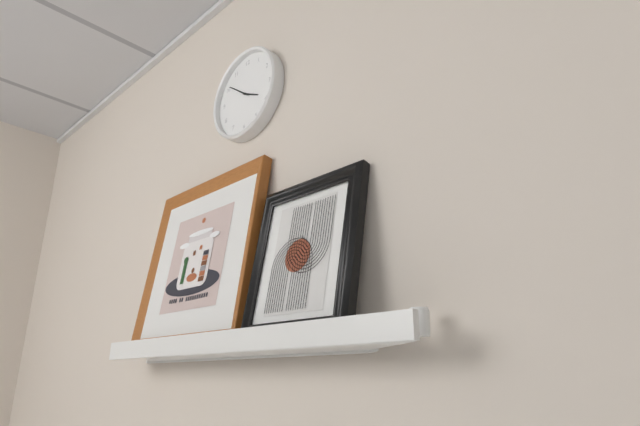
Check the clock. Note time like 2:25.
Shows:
3:51
